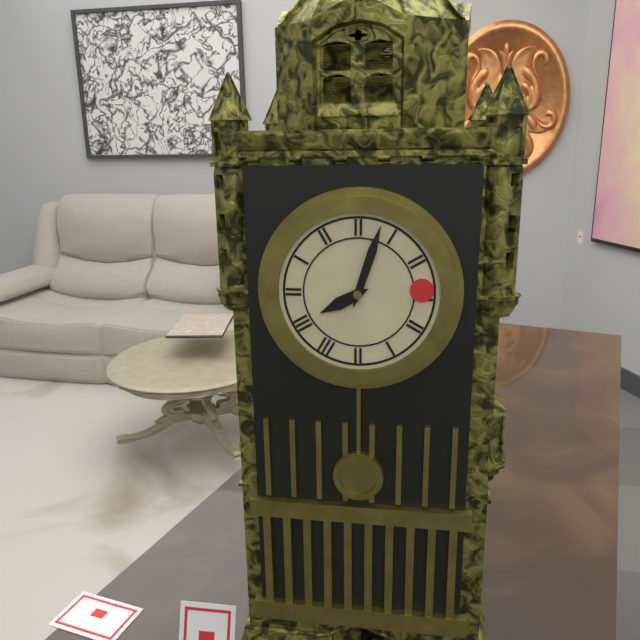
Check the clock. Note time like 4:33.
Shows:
8:03
